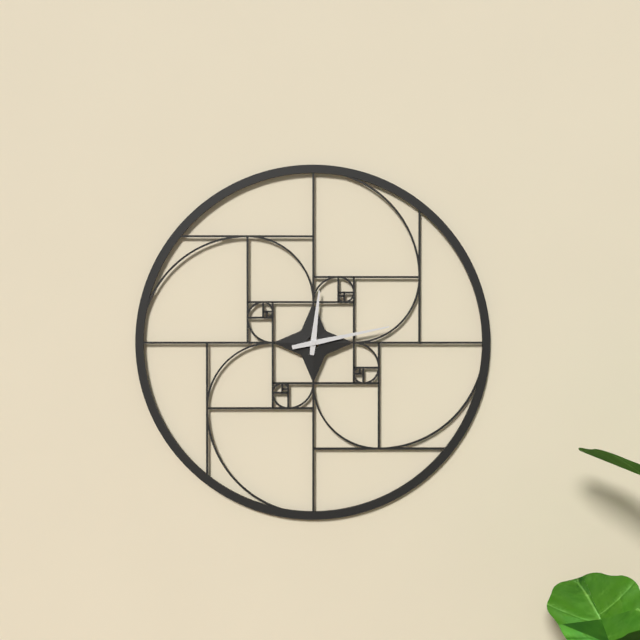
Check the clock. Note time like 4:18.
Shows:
12:13
